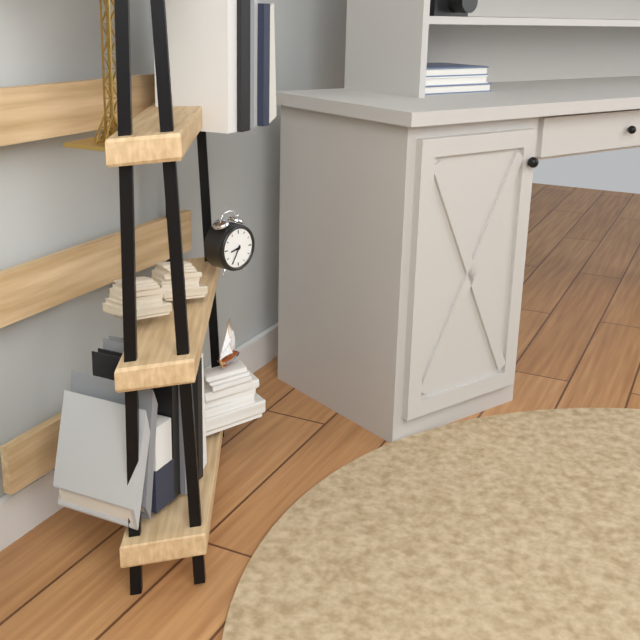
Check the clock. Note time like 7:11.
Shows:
8:35
